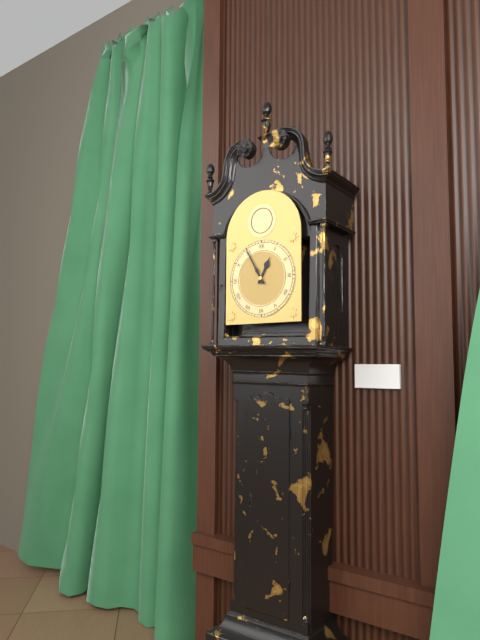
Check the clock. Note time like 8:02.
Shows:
12:55
